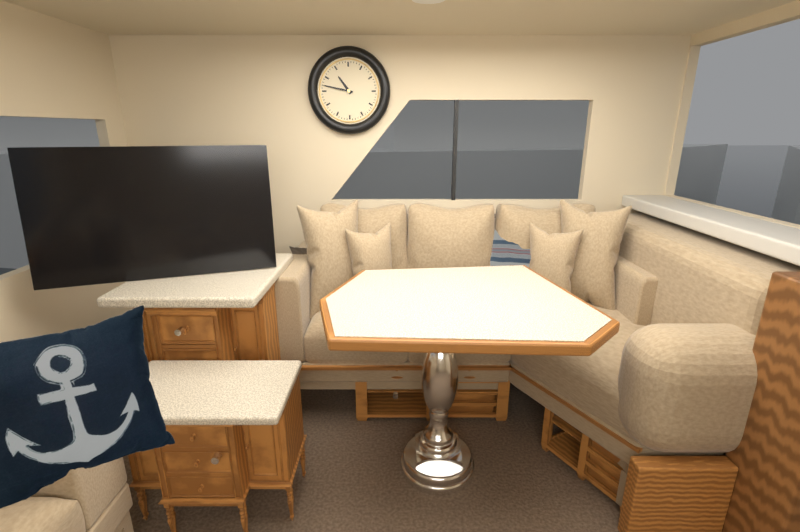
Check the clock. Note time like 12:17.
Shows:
10:47
